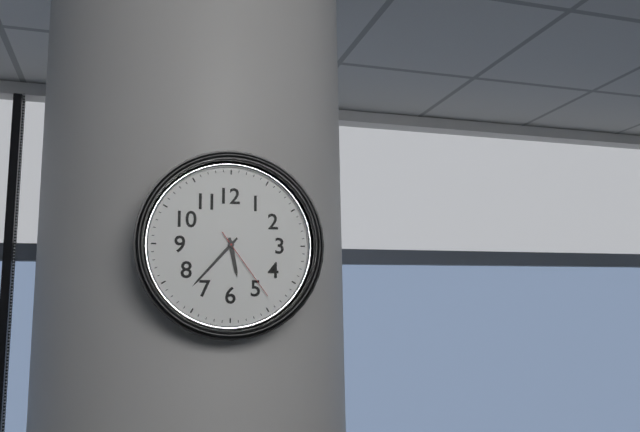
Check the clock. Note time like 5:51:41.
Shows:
5:37:24
